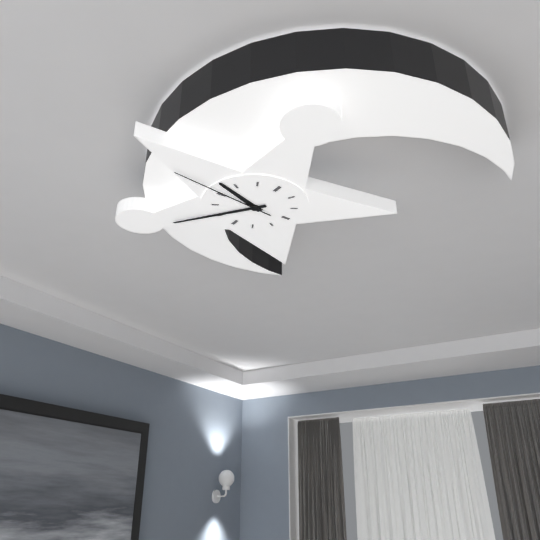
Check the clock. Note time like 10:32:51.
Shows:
9:36:46
